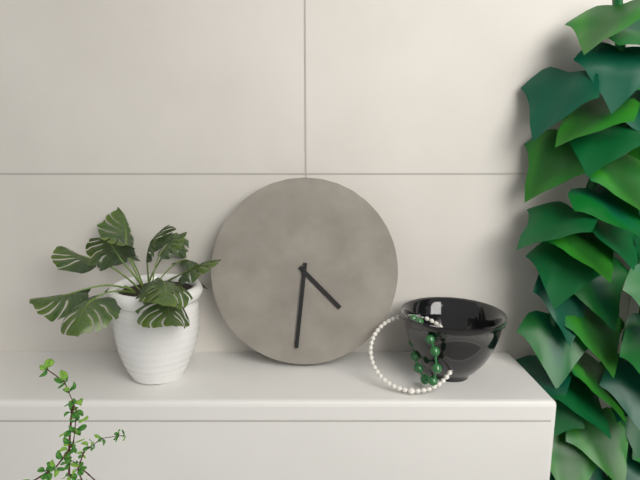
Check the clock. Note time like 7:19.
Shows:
4:31
